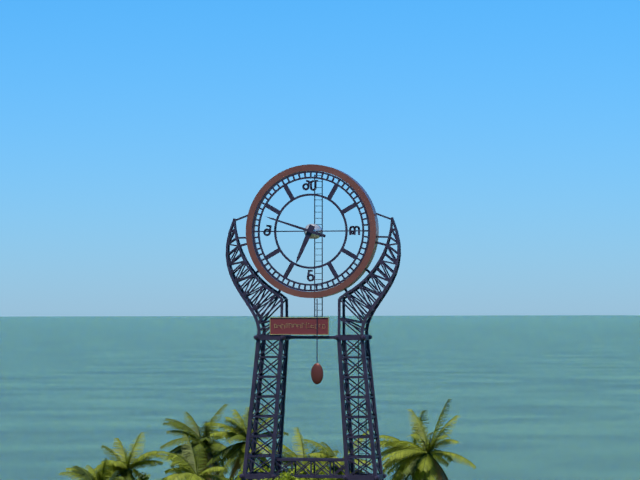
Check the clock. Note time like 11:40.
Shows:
6:48
